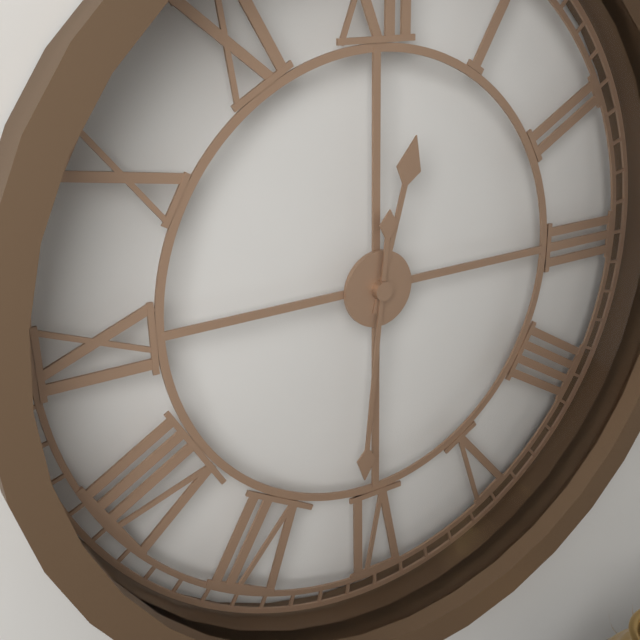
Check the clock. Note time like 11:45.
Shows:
12:31
